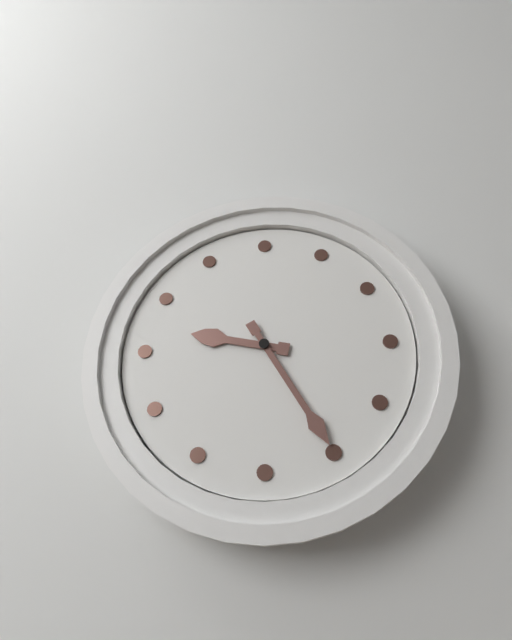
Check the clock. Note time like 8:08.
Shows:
9:25
